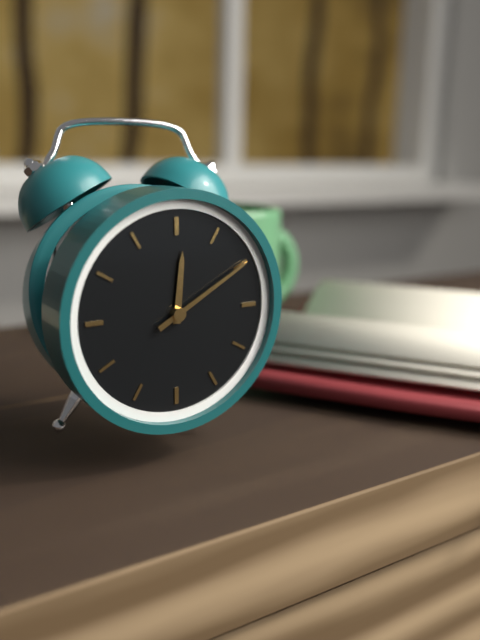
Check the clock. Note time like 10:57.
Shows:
12:10
